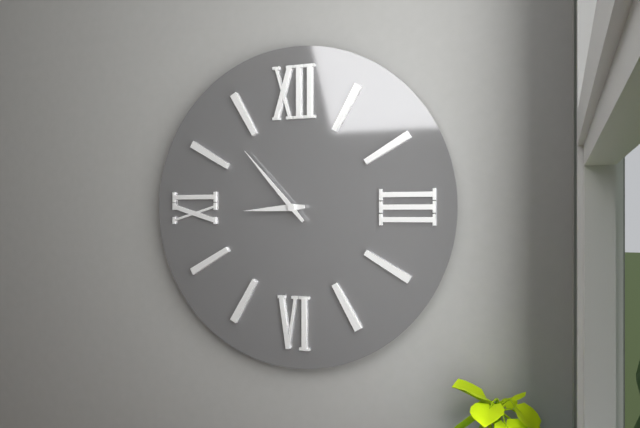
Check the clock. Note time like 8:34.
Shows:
8:53
